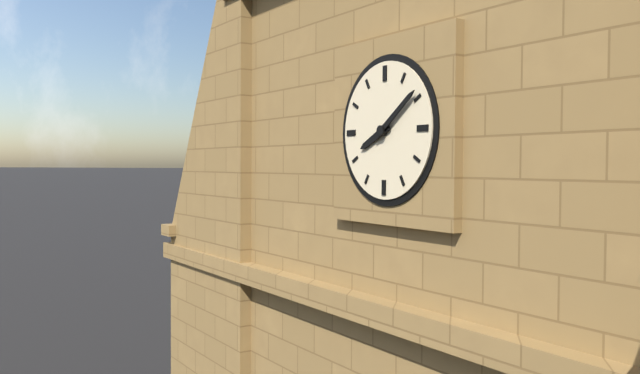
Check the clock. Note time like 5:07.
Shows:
8:09
